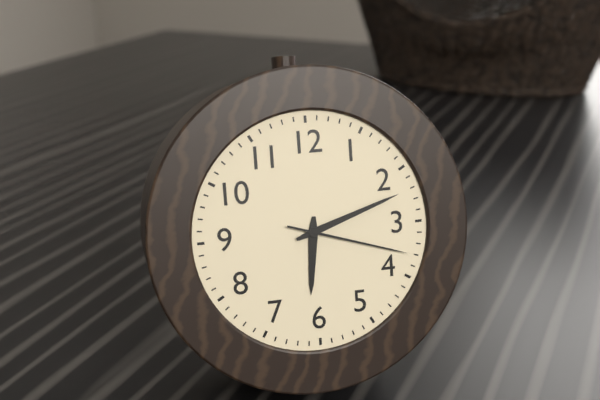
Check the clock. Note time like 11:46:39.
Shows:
6:12:18
